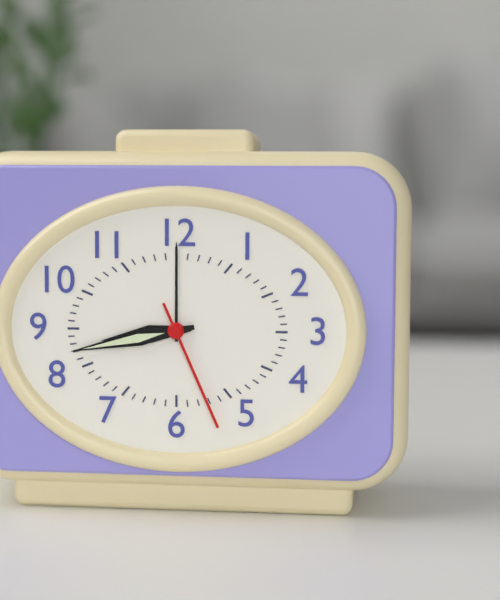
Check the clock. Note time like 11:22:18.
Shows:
8:43:26
